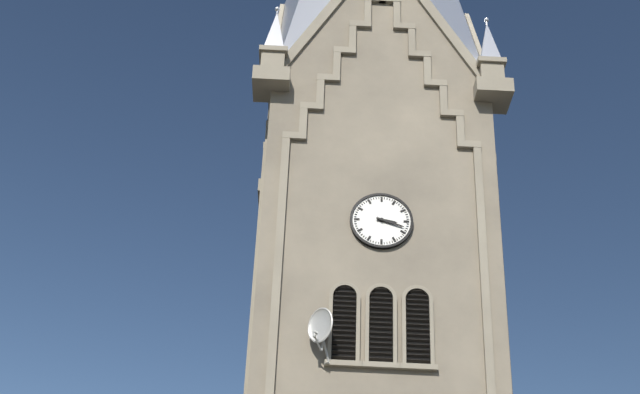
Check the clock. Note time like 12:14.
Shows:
3:18
